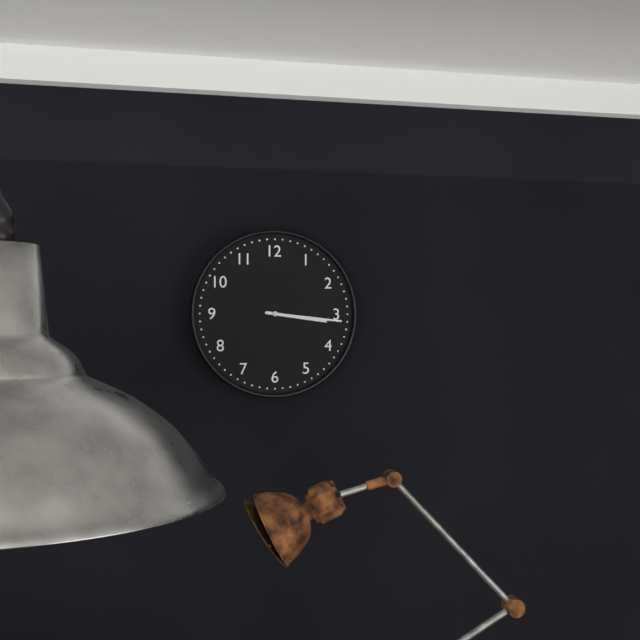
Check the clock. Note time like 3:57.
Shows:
3:16
